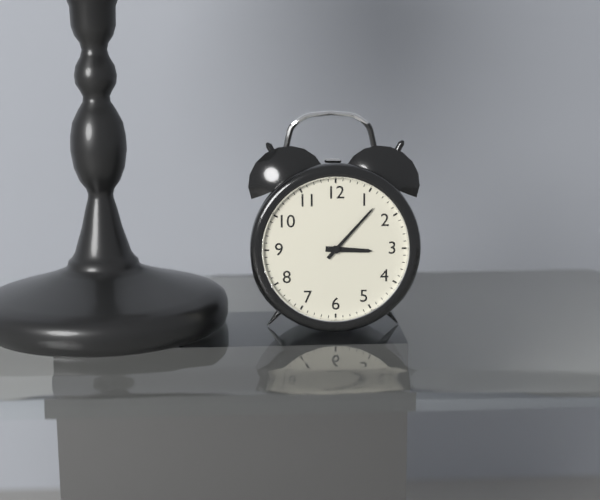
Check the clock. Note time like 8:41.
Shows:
3:07
